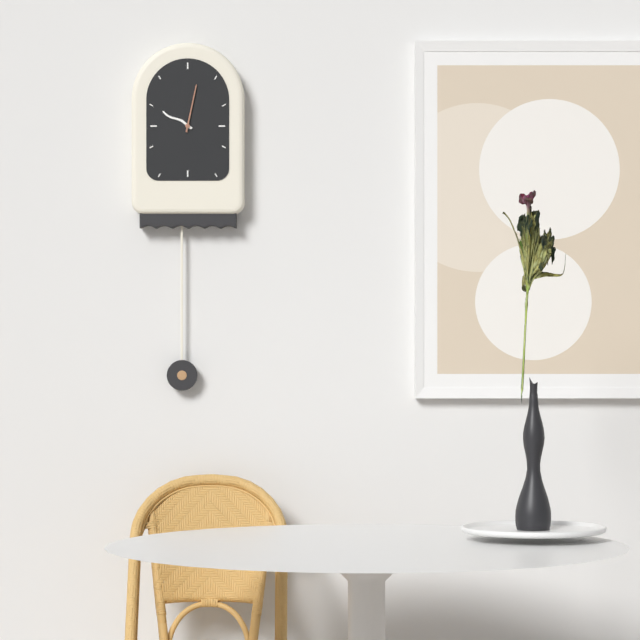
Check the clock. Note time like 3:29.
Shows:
10:02
